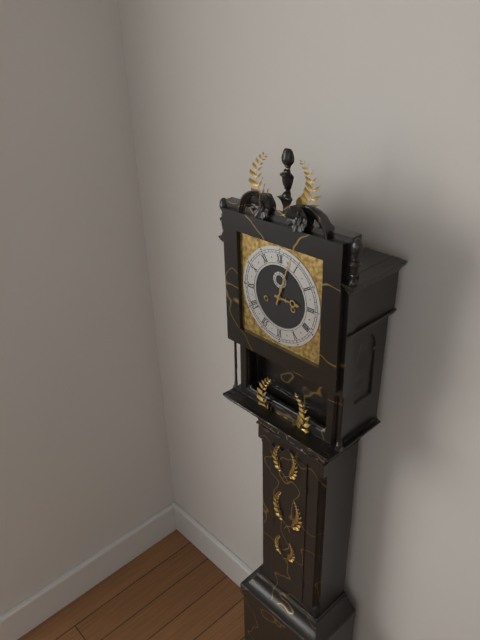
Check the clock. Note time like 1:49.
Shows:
3:03
